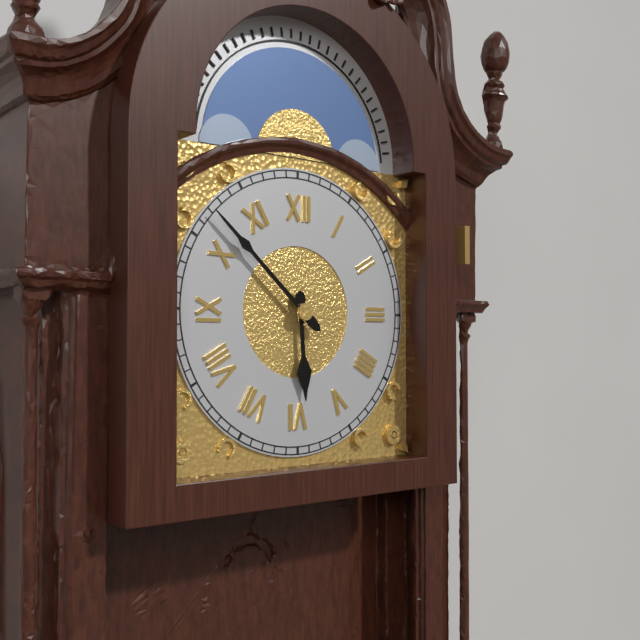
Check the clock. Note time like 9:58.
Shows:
5:52
